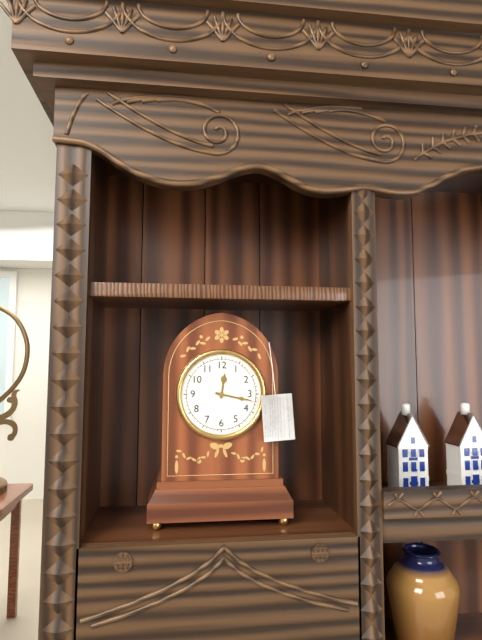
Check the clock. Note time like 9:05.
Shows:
12:17
